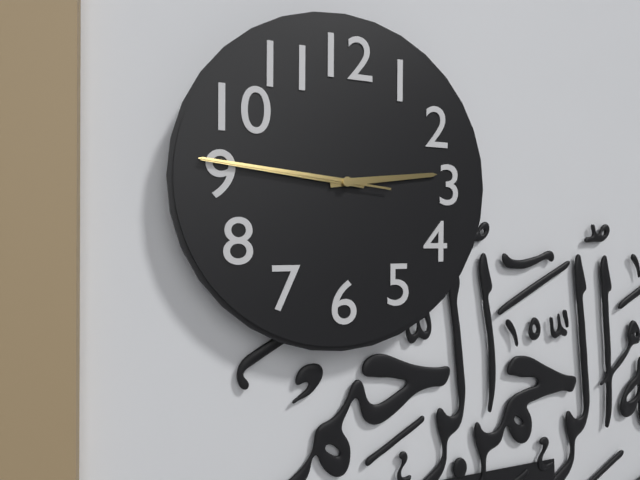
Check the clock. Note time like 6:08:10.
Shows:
2:46:46
